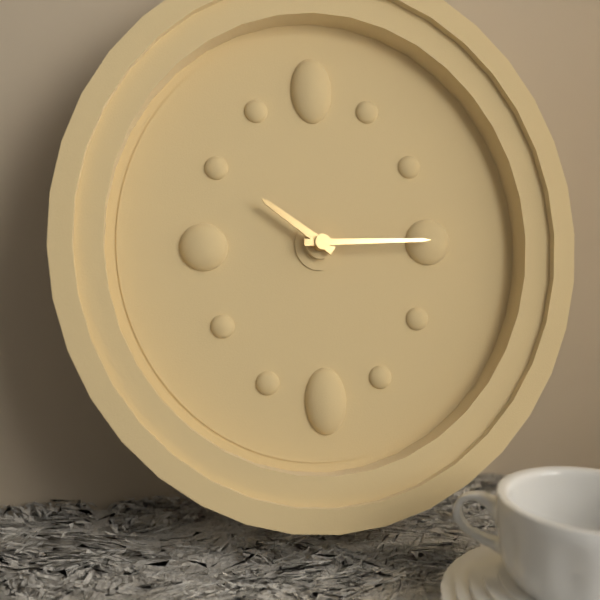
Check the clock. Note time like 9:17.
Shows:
10:15
